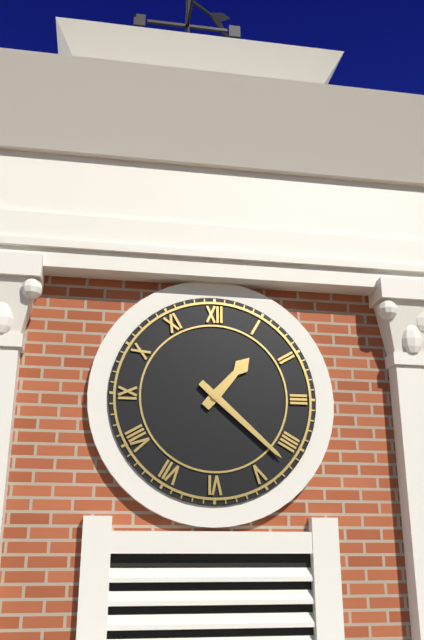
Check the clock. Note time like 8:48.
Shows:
1:22
